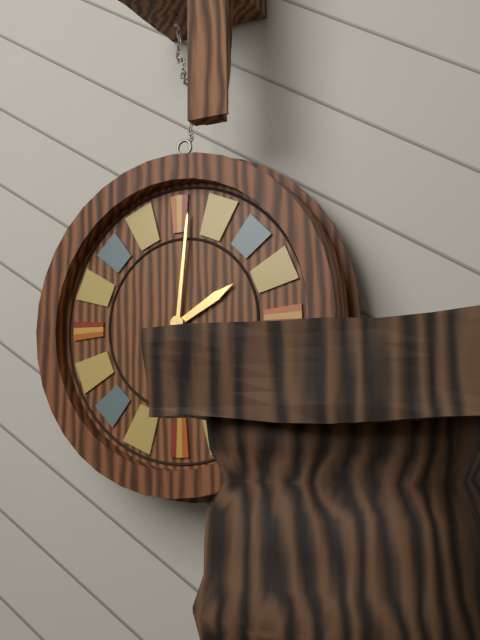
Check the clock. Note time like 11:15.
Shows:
2:01
